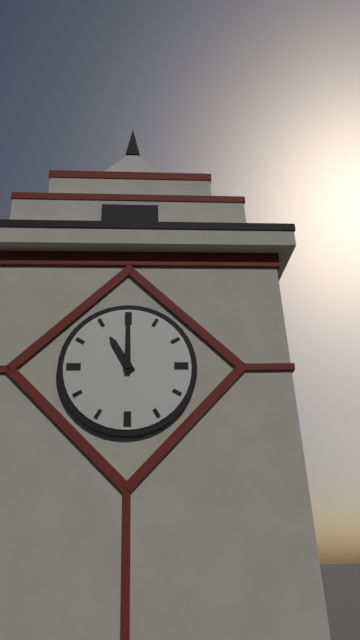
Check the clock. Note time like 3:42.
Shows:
11:00
